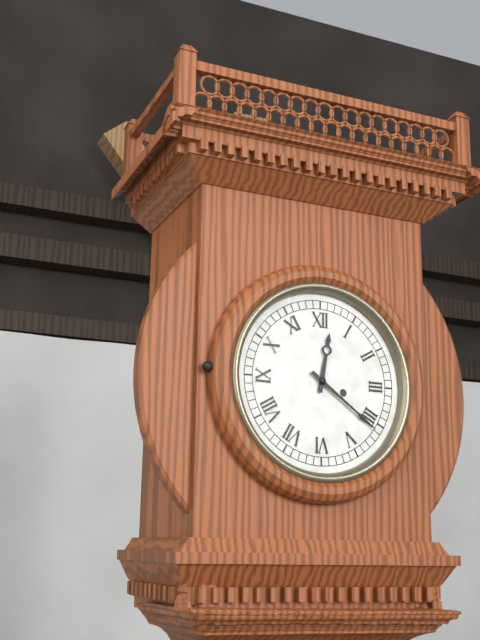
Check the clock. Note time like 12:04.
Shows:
12:21
